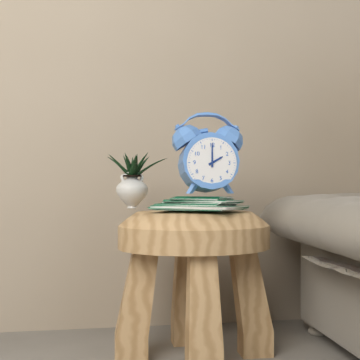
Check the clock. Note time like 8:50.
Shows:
2:00
